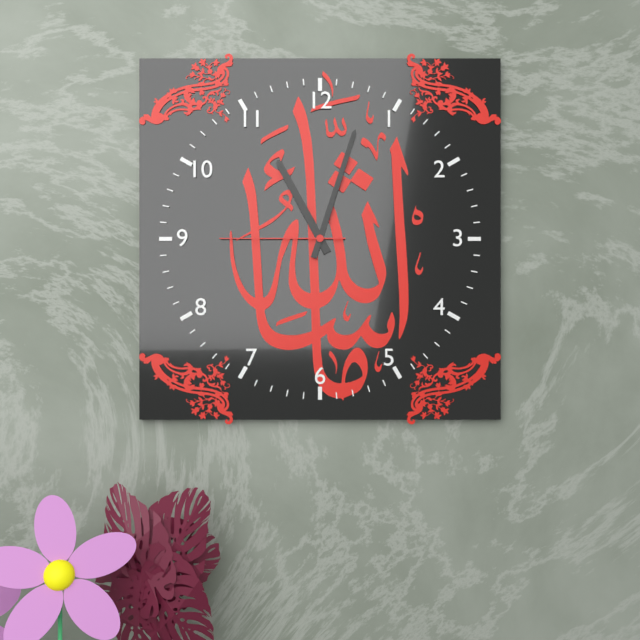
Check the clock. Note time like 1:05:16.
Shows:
11:03:45
